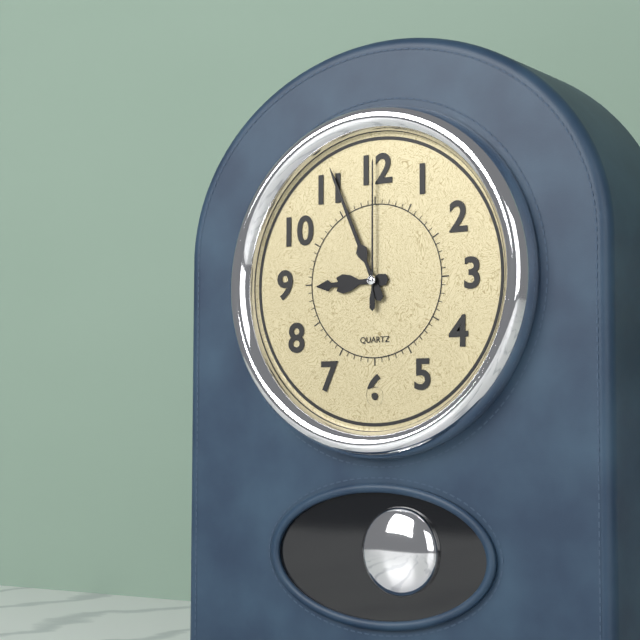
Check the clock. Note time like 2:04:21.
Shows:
8:56:00
